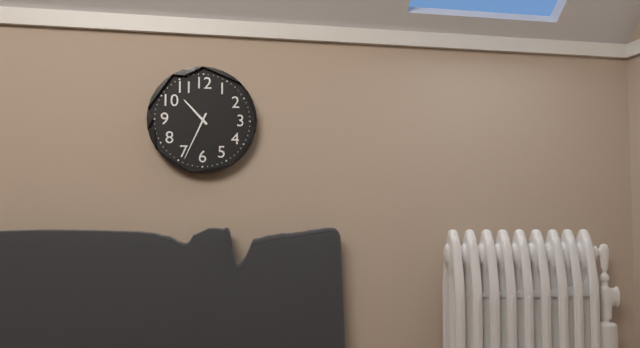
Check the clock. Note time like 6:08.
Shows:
10:34
